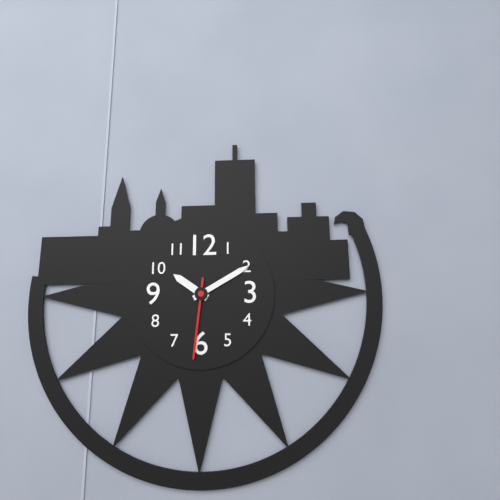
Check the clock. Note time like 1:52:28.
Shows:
10:10:31
